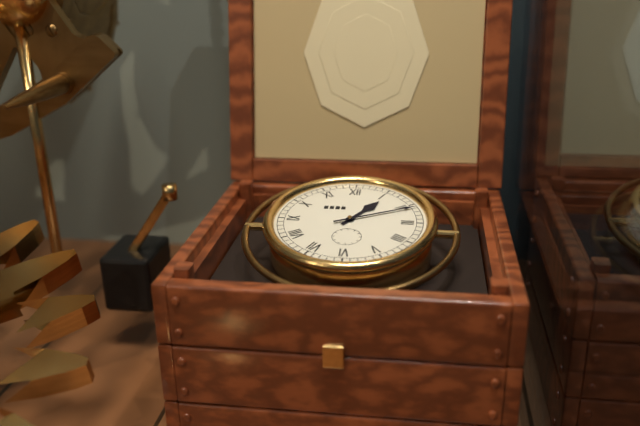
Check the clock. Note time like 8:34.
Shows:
1:11
